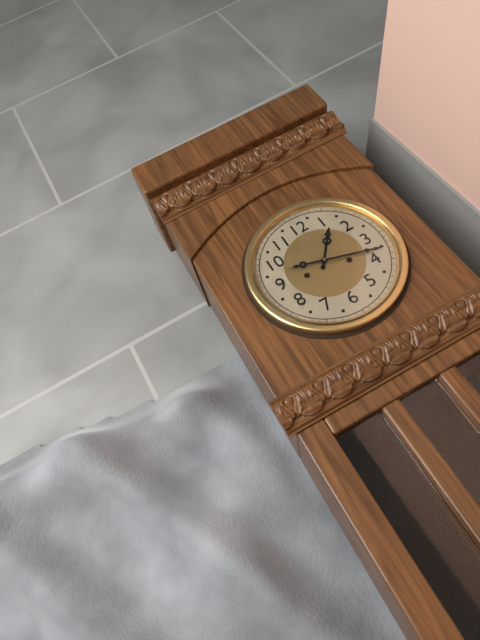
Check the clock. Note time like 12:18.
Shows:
1:18
